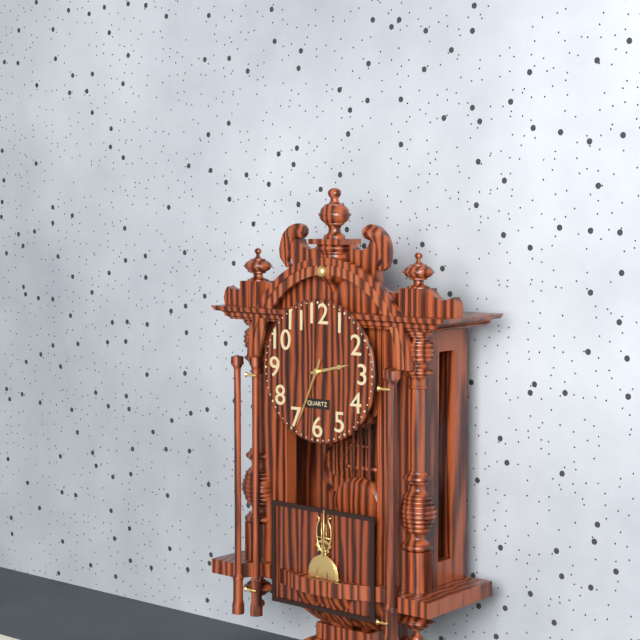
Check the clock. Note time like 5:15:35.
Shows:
2:34:34
